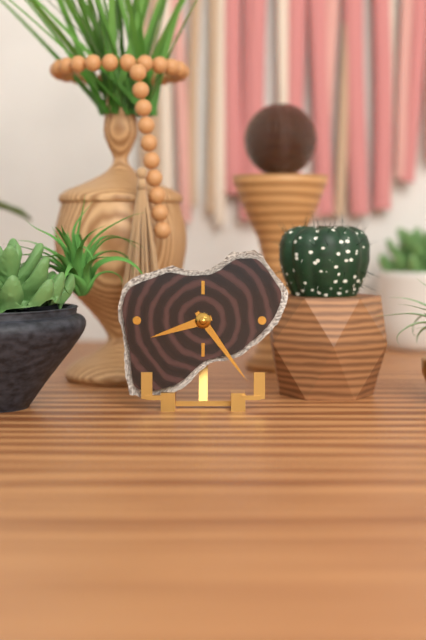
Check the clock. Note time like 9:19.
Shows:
8:24
